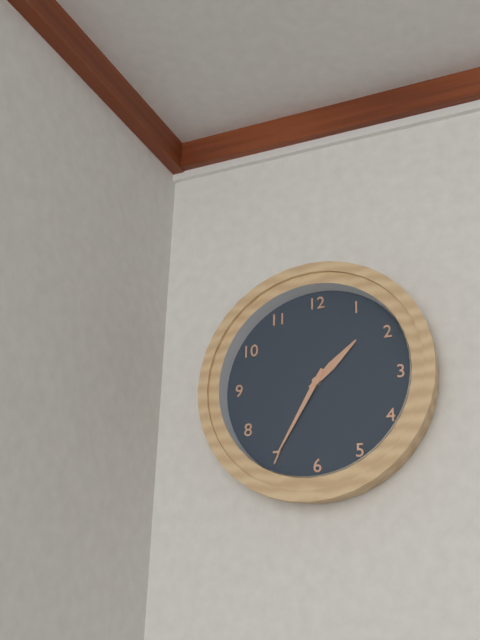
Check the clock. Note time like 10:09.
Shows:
1:35
